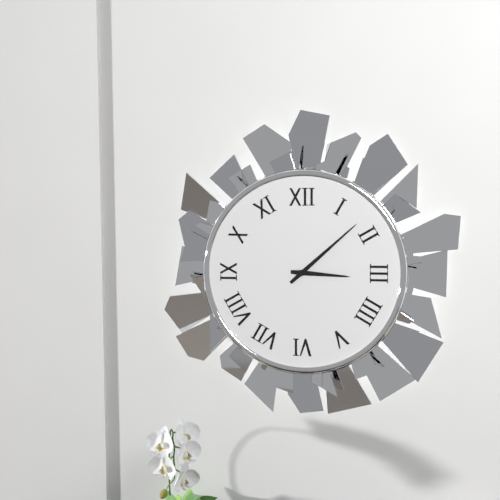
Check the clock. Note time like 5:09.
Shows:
3:08
